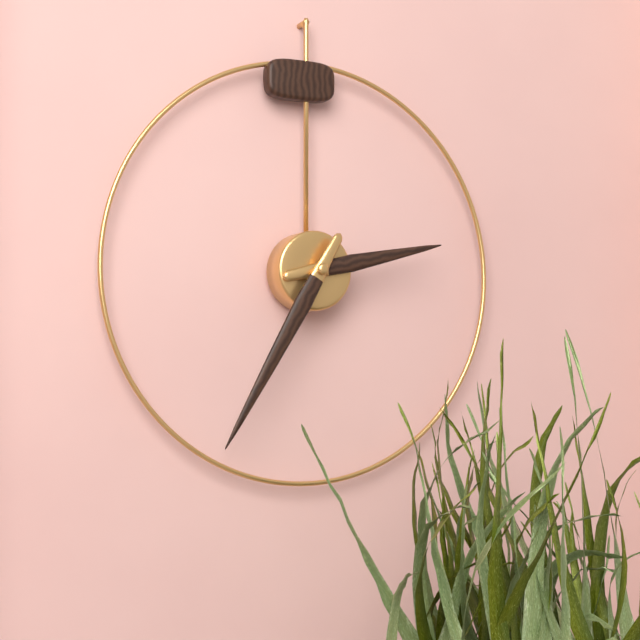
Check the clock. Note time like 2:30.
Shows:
2:35
